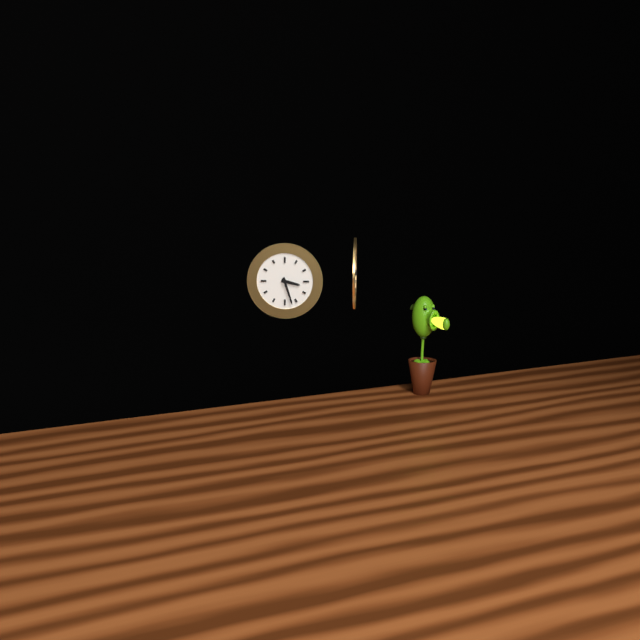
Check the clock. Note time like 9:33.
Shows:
3:27
